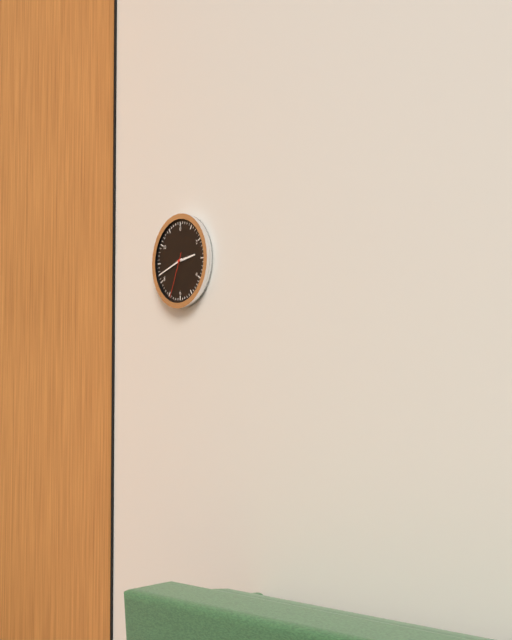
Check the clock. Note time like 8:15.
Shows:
2:42
